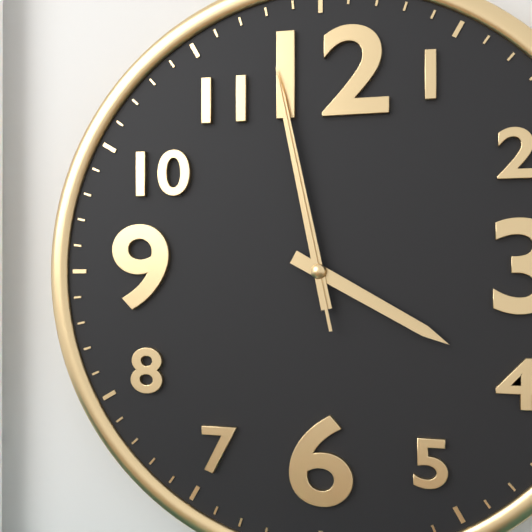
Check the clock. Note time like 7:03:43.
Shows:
3:58:58
